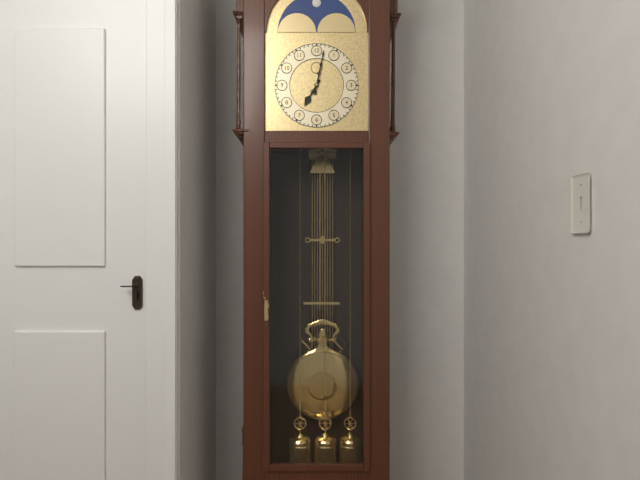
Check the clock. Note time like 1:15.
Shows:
7:02
